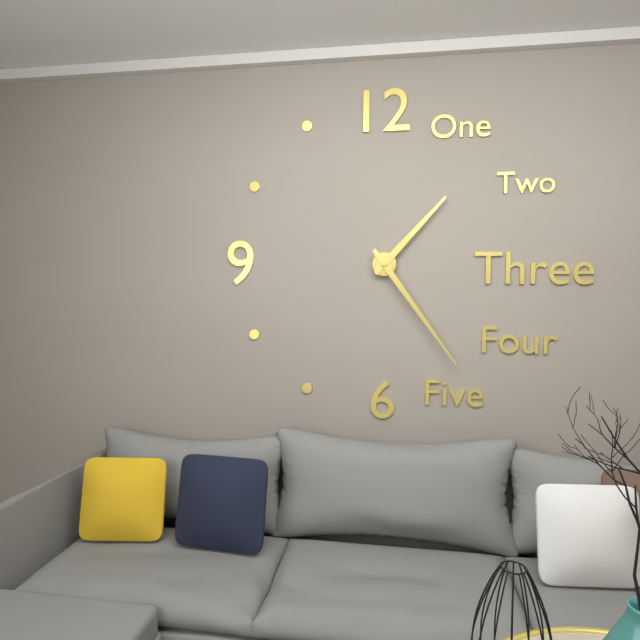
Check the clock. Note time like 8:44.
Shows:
1:24
